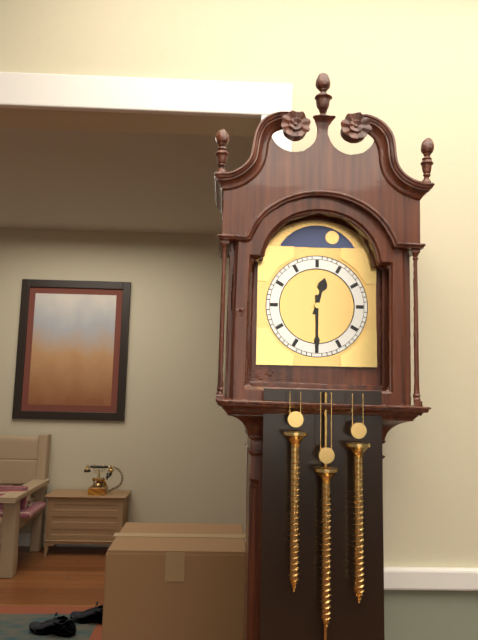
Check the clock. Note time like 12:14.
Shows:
12:30
